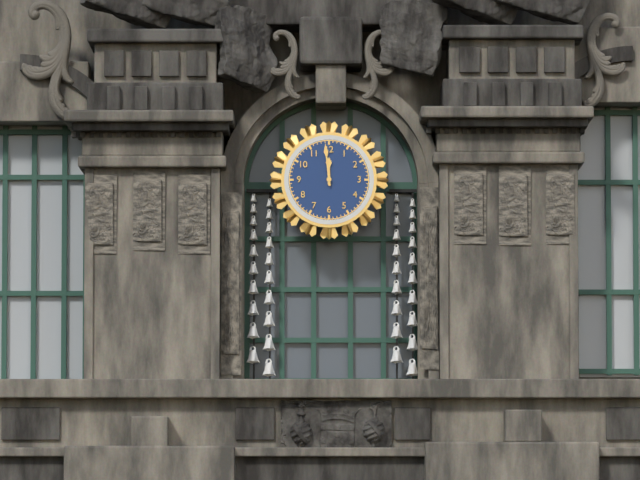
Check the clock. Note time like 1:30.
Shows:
11:59
